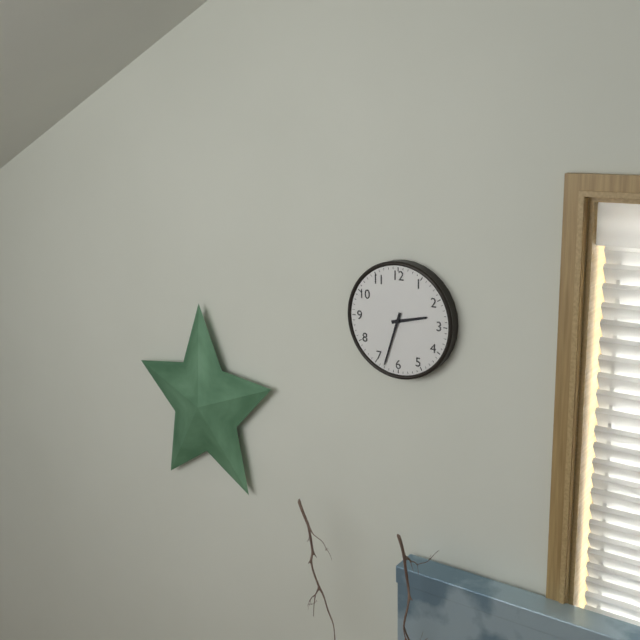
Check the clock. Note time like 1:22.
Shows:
2:33
